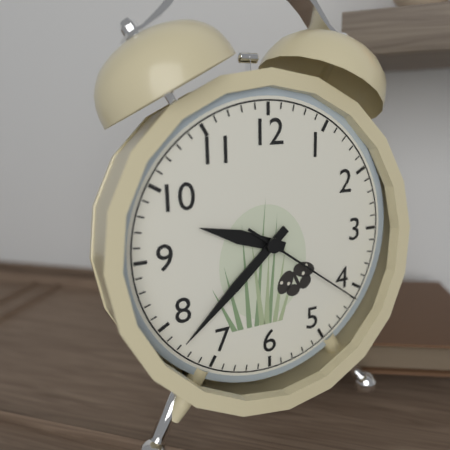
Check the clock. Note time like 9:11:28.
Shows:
9:38:21
